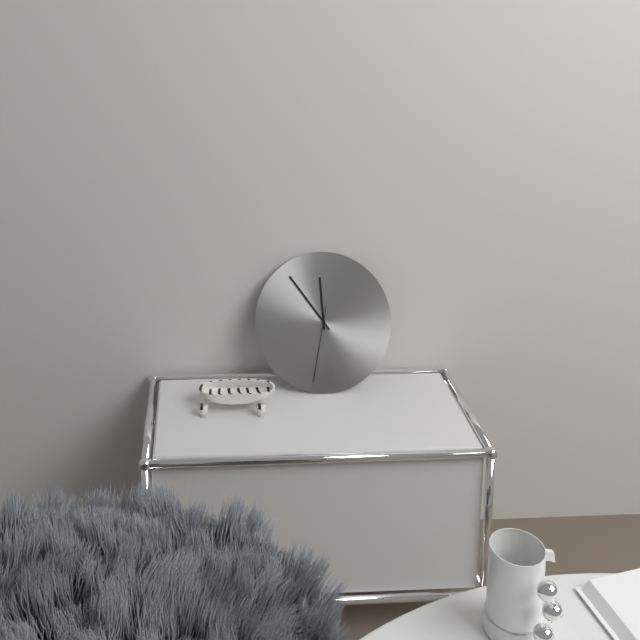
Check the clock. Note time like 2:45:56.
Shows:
11:54:32
